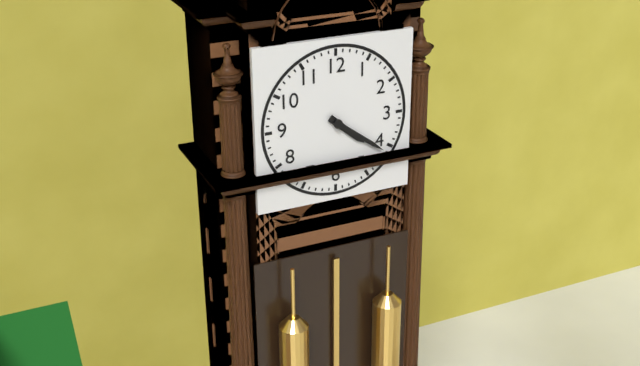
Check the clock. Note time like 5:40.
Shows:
4:21
